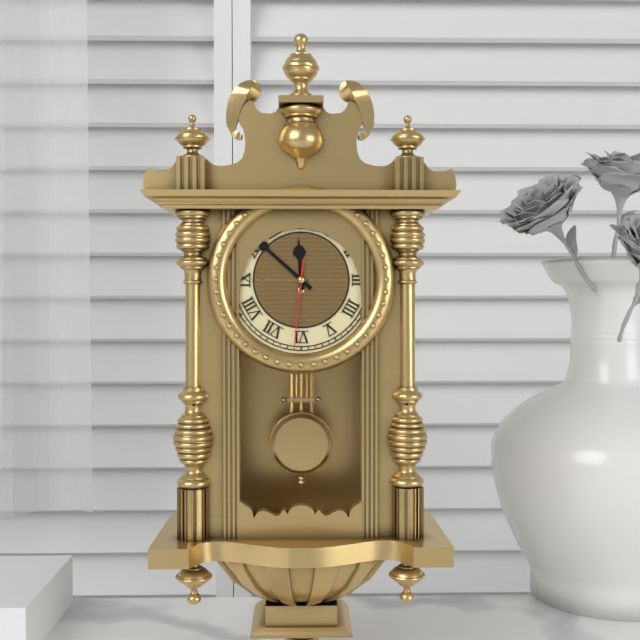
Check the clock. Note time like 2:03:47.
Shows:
11:52:31
